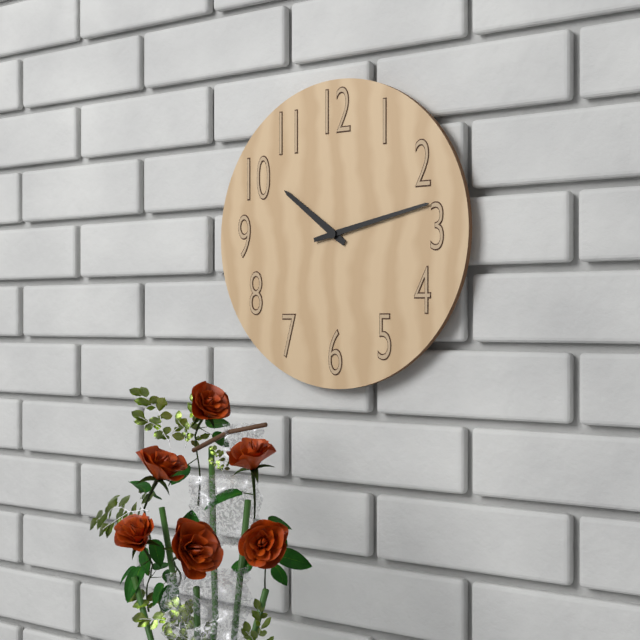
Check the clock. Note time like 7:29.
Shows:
10:13
